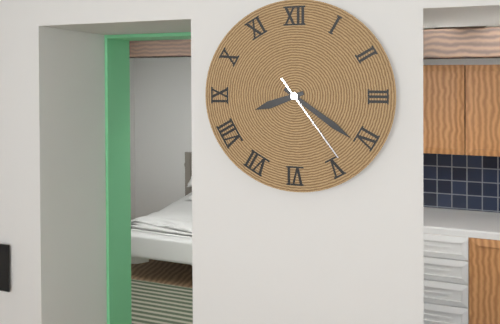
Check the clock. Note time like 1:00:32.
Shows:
8:21:24
